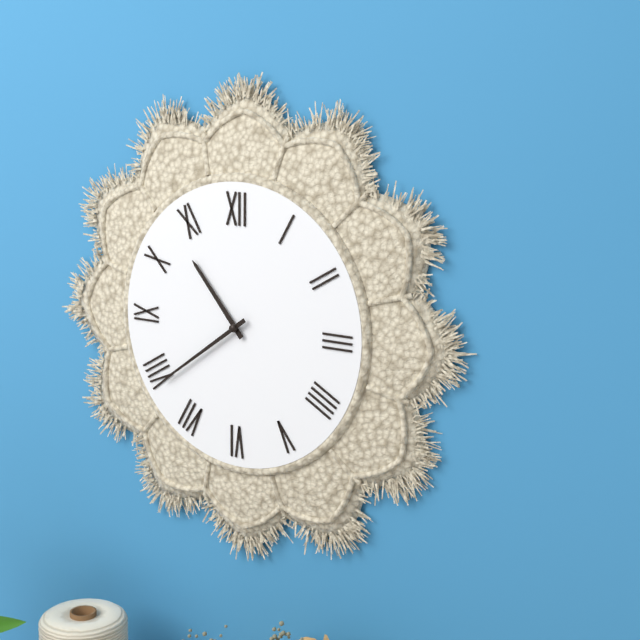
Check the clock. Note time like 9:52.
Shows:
10:39
